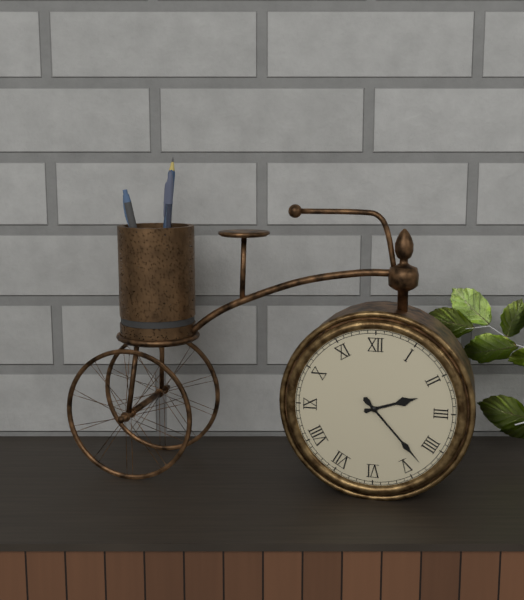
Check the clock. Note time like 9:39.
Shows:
2:23
